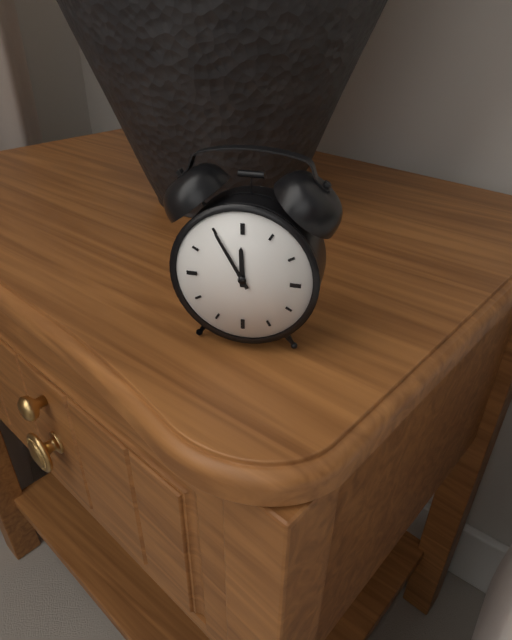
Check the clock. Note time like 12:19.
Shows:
11:55
